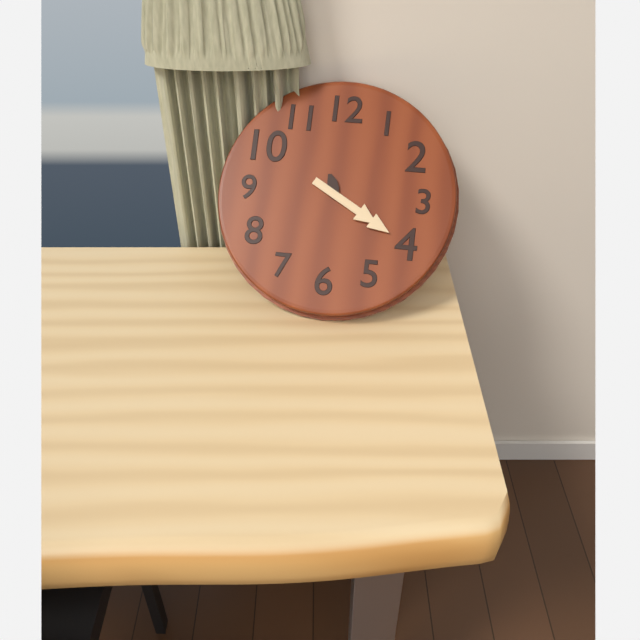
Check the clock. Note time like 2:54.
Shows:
11:20
